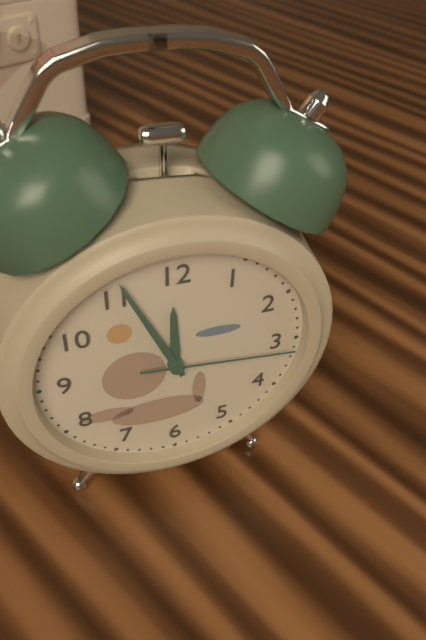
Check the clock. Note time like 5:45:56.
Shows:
11:56:16
